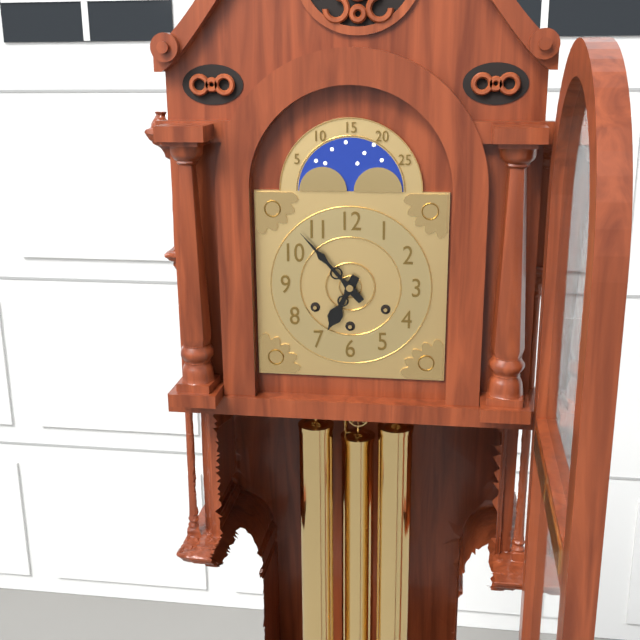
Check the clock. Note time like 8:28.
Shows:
6:53
